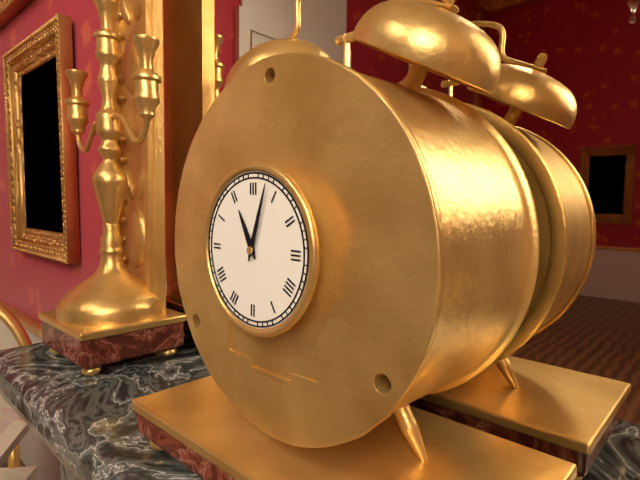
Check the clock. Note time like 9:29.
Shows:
11:03
